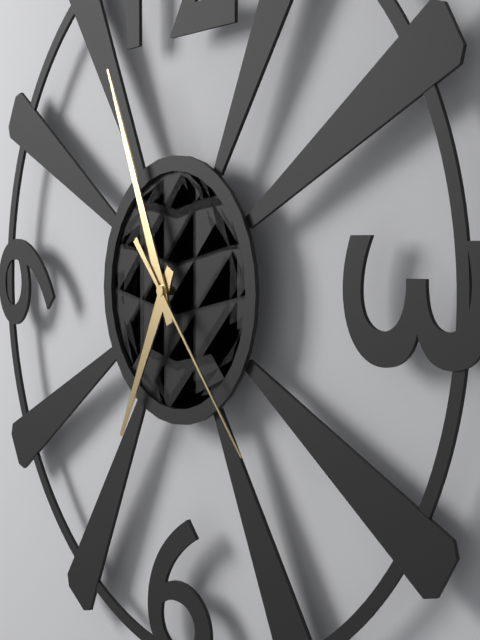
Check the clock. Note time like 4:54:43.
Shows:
6:56:23
